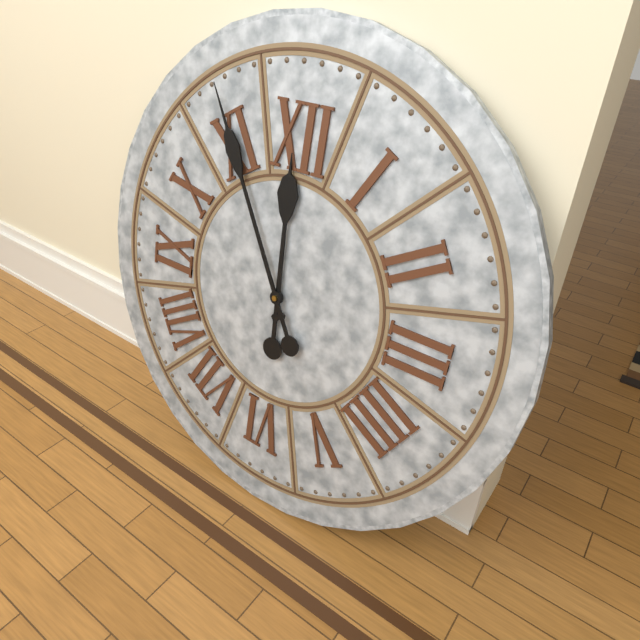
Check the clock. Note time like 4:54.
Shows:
11:55
